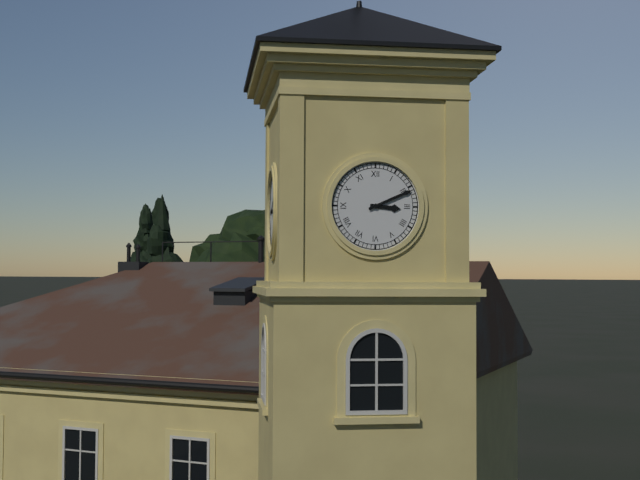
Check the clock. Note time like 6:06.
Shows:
3:11
